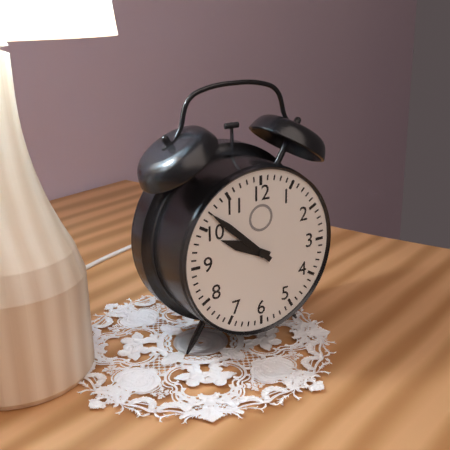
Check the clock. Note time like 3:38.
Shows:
9:52
